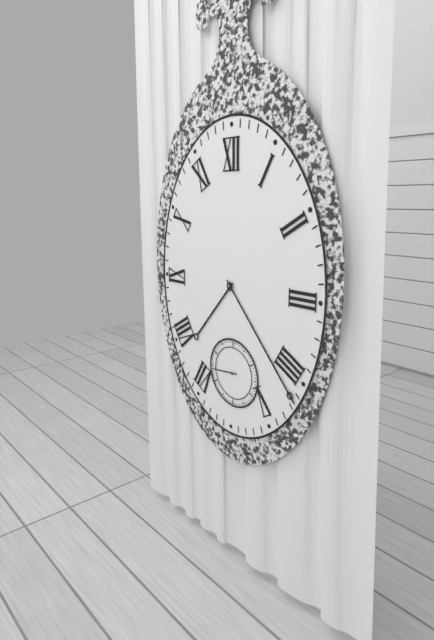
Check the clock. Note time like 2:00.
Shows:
7:23
